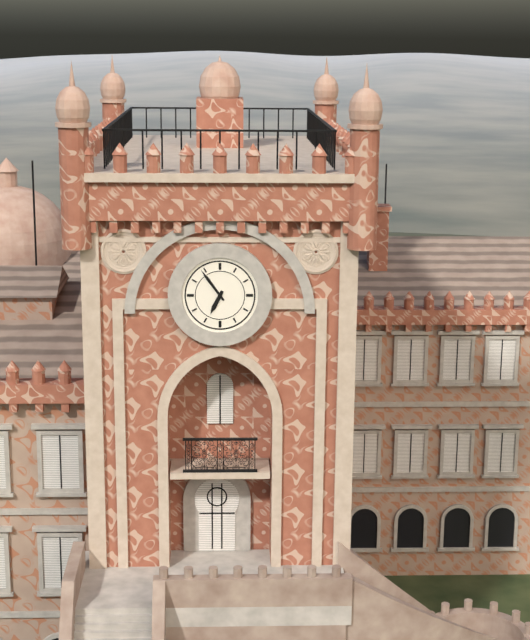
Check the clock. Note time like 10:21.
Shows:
6:54
